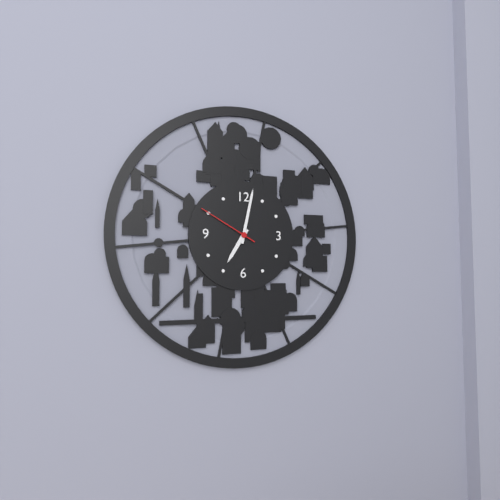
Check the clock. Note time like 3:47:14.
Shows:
7:02:50
